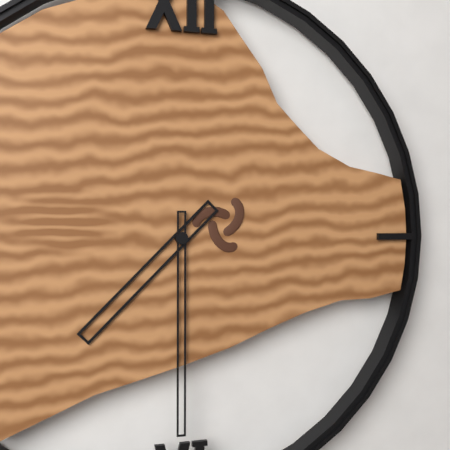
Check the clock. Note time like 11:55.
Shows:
7:30
